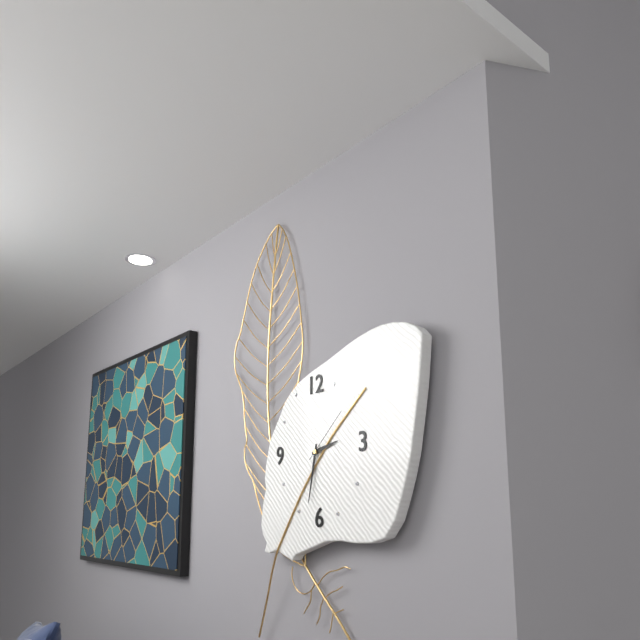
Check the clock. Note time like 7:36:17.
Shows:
2:32:08
